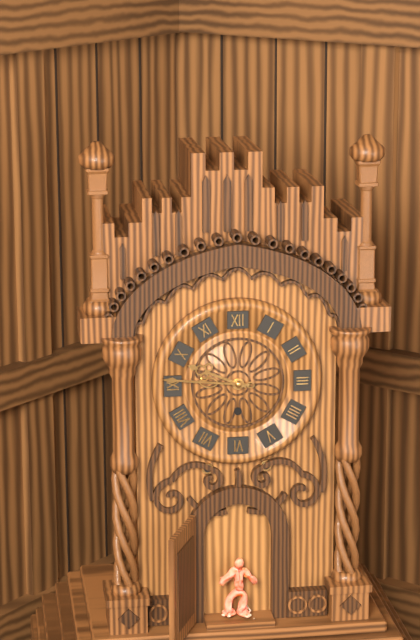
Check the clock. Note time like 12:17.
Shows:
9:46
